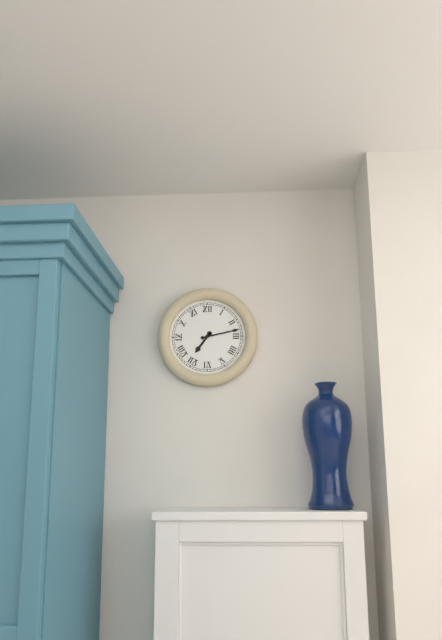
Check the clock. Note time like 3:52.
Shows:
7:13
